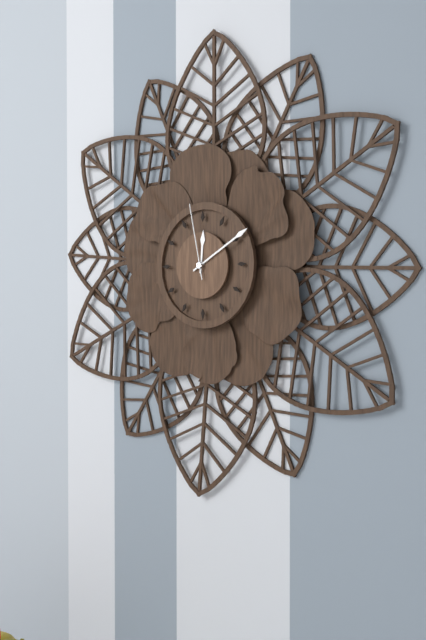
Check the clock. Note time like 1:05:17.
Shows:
12:10:58
